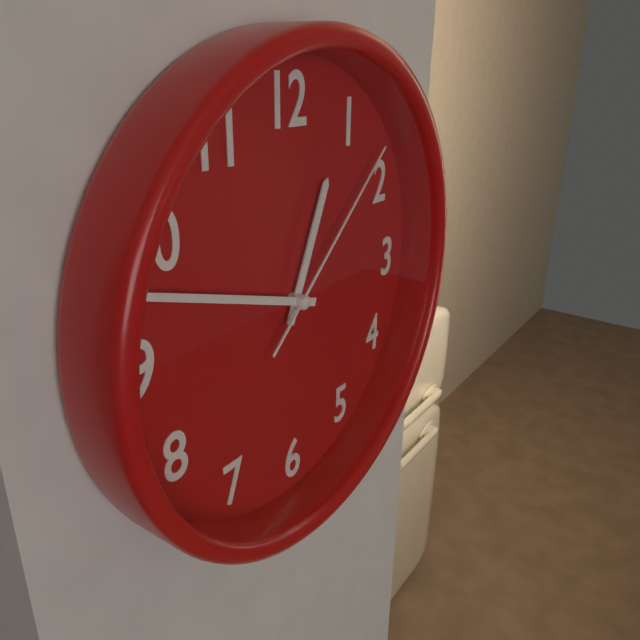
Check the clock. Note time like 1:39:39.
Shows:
12:48:08
